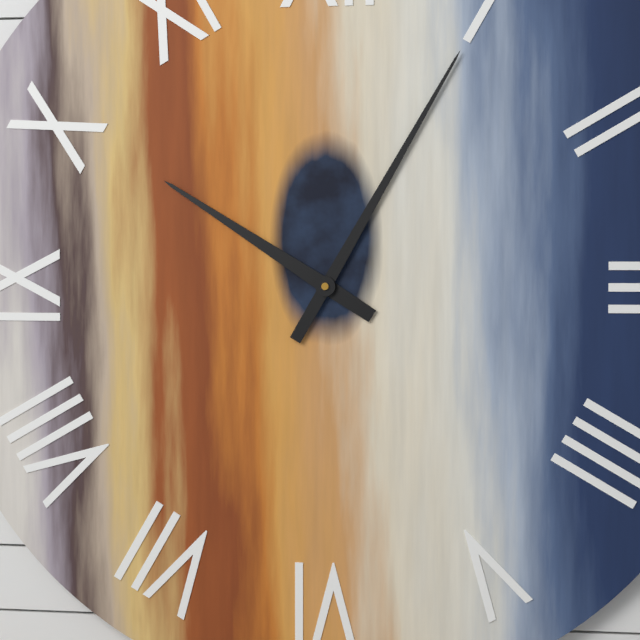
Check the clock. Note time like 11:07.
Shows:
10:05
